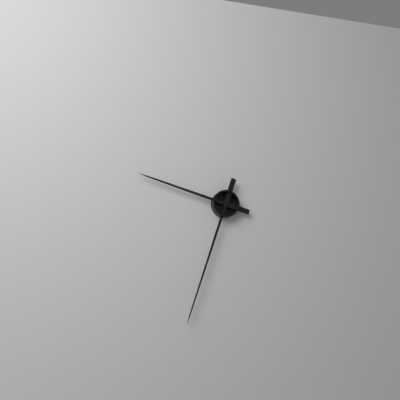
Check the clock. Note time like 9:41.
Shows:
9:33
